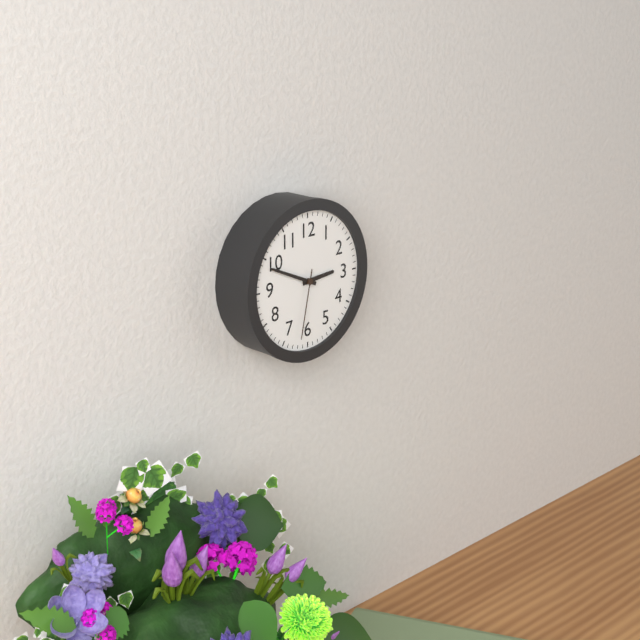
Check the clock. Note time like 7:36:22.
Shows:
2:49:32
